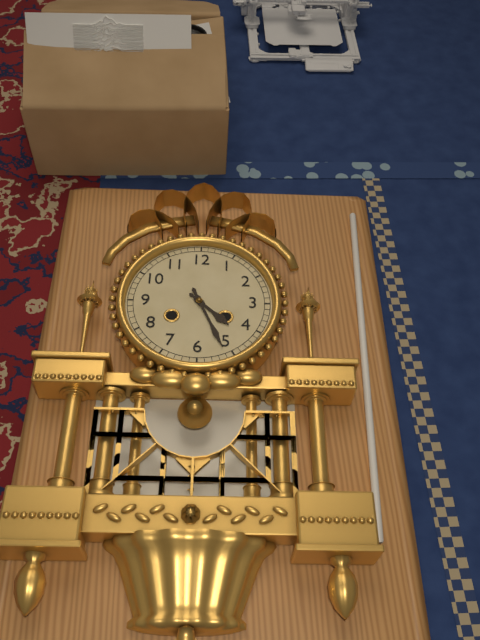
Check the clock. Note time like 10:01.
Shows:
4:26
